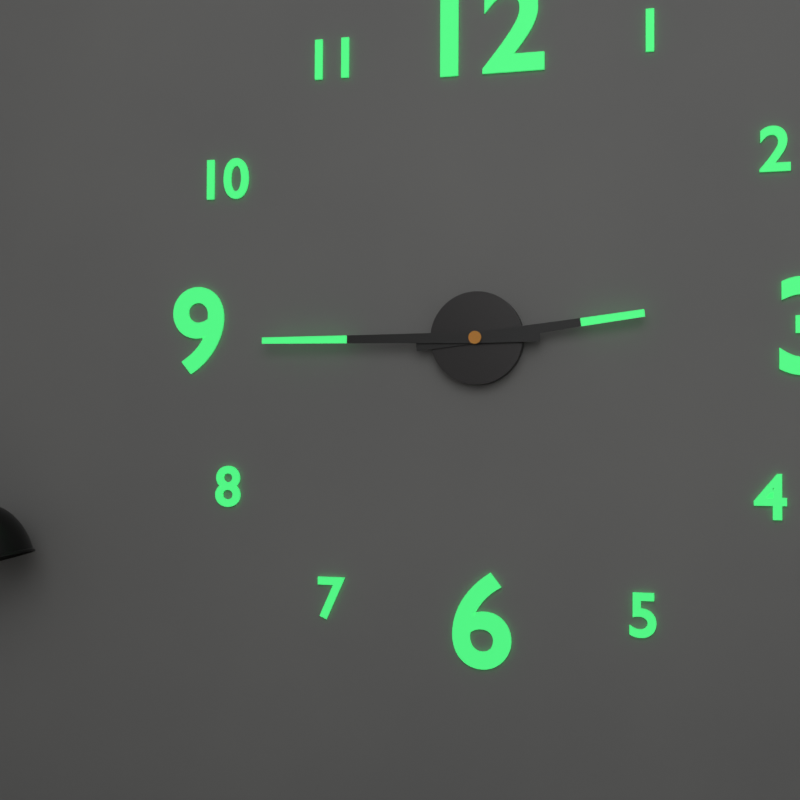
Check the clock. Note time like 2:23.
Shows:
2:45
